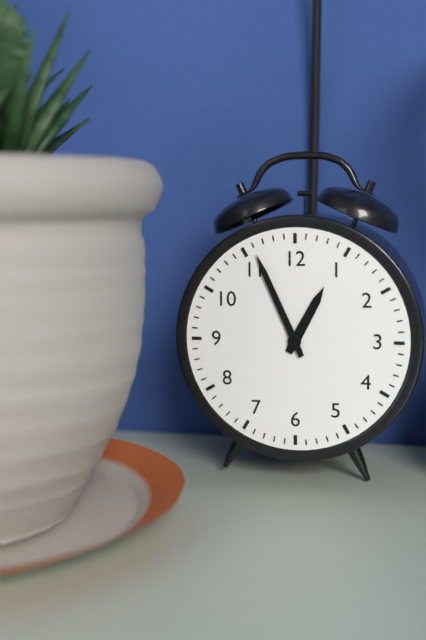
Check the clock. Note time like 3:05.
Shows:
12:56
